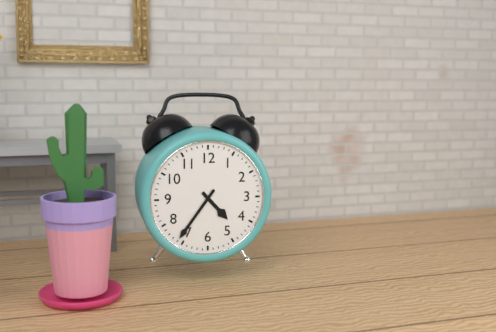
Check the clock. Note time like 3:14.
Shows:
4:36
